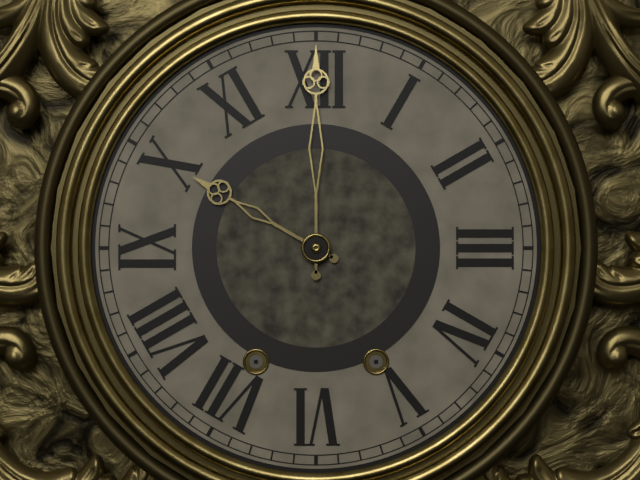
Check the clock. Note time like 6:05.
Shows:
10:00
